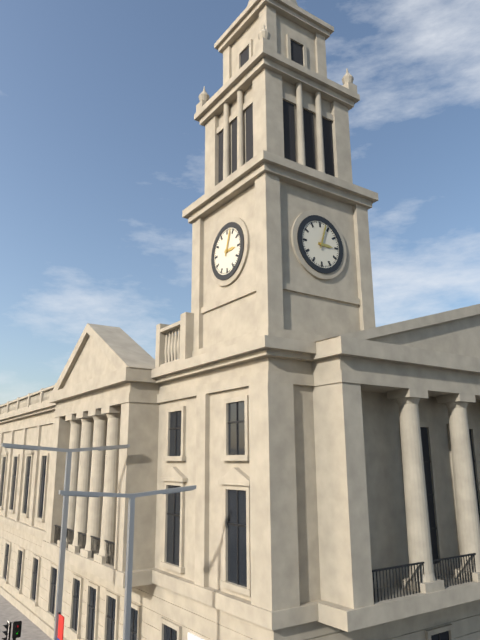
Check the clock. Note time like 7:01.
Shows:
3:03
